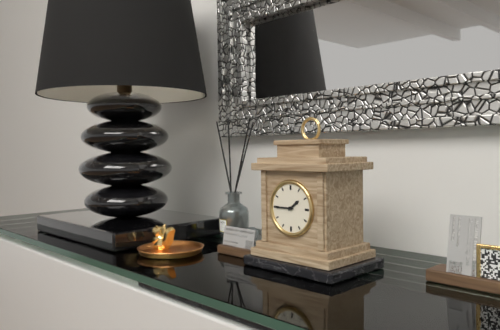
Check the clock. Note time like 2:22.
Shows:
1:45
